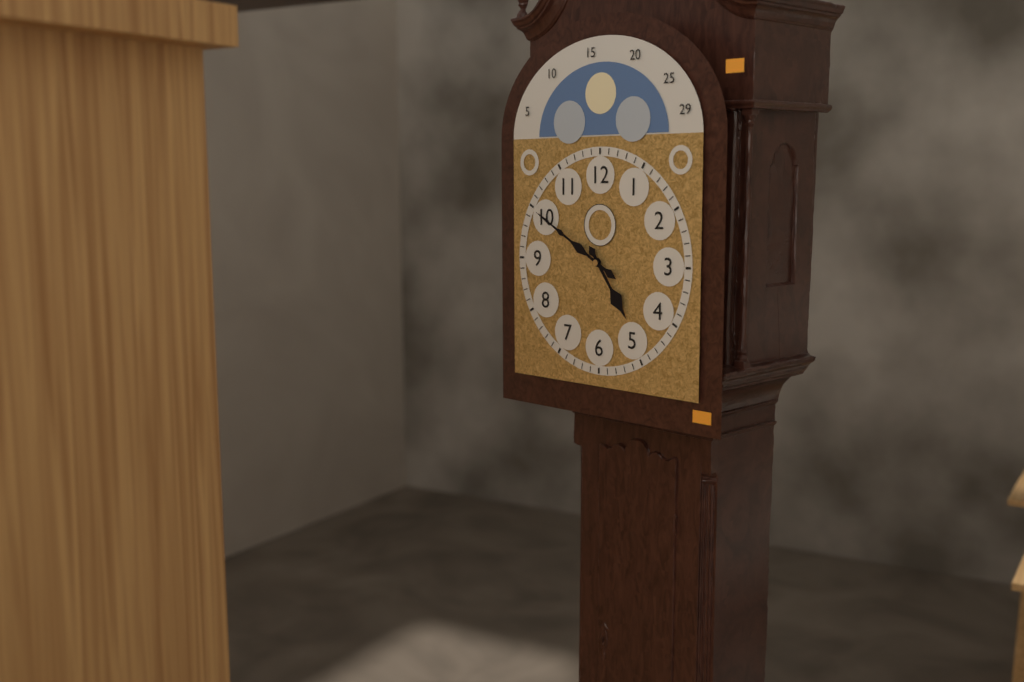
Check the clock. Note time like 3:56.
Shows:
4:50
